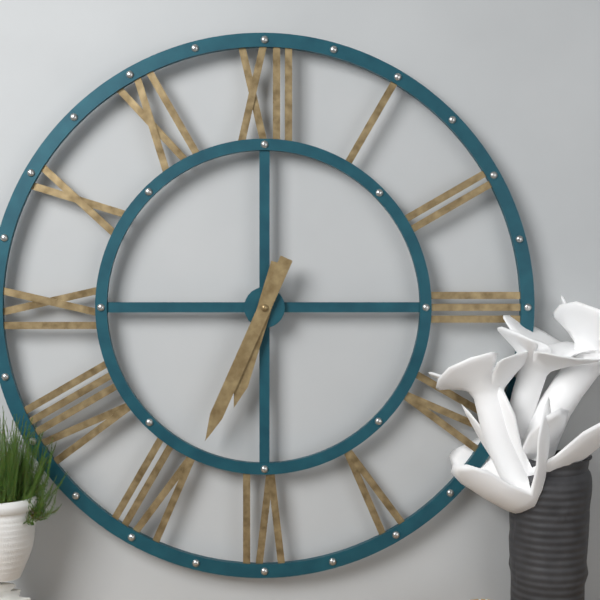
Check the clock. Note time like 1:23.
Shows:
6:34
